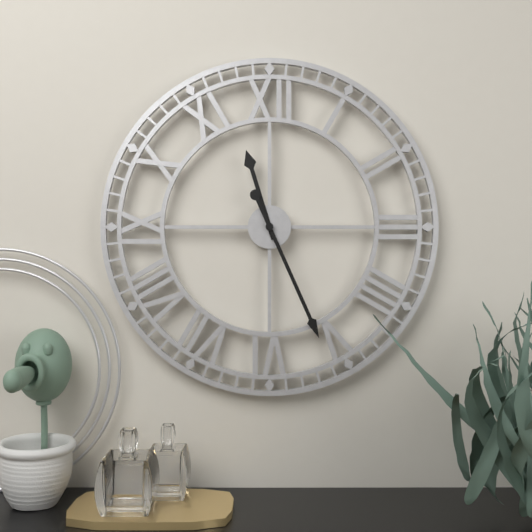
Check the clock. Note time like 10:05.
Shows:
11:26
